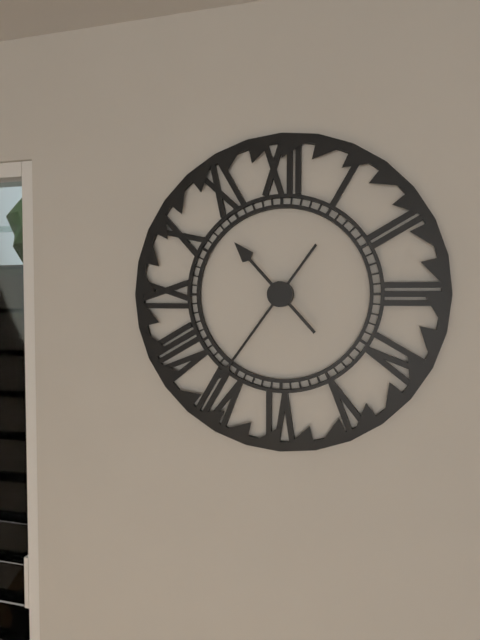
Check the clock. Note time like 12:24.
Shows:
10:36
